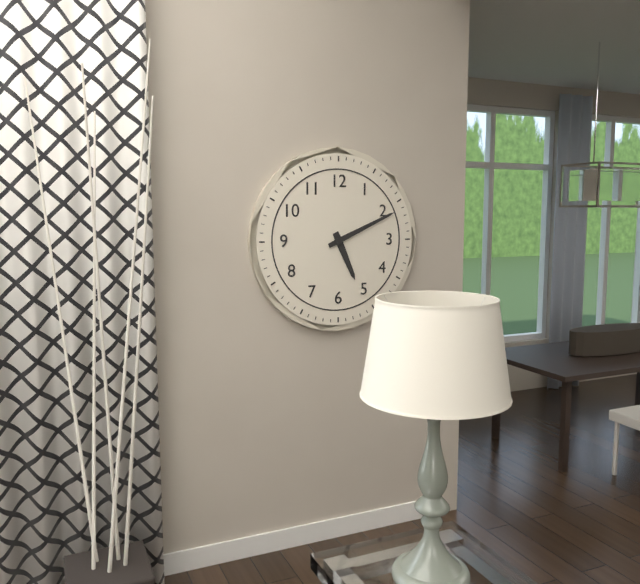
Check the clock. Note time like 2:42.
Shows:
5:11
